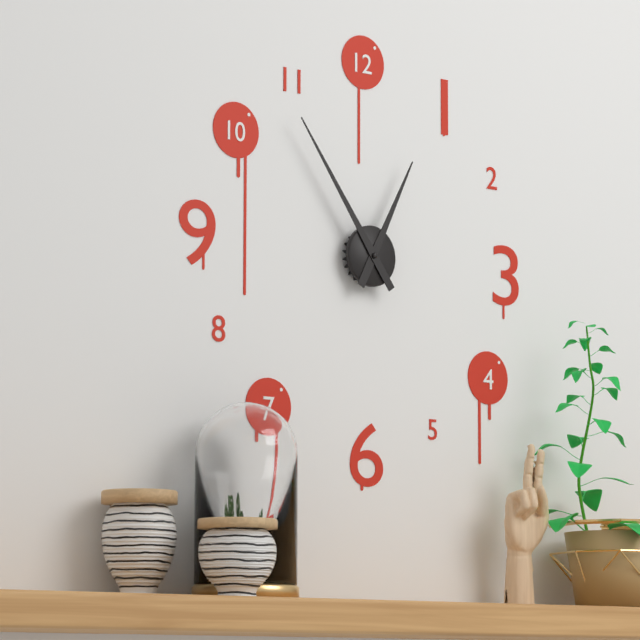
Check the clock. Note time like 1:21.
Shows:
12:54
